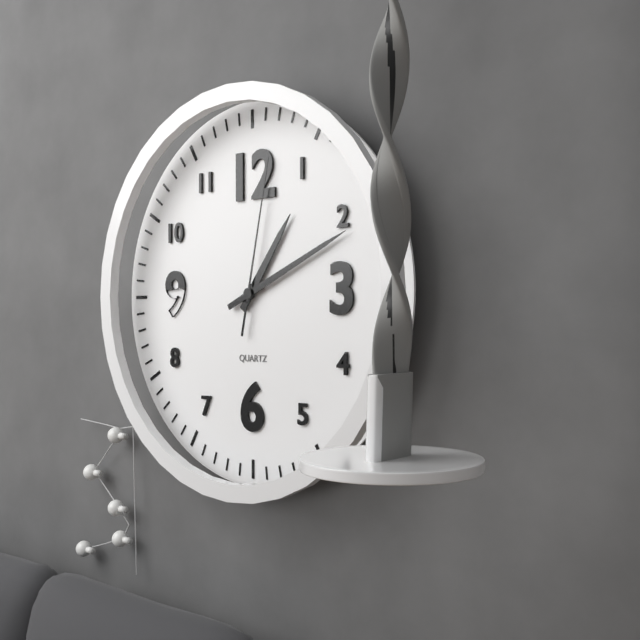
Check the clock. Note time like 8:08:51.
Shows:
1:11:02
